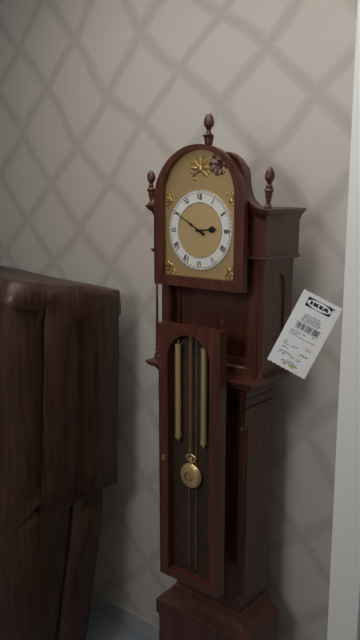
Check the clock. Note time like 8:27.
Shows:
2:50
